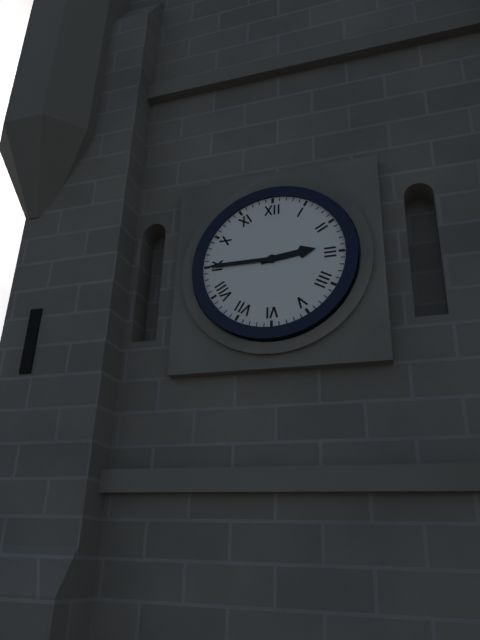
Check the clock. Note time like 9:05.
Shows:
2:45
